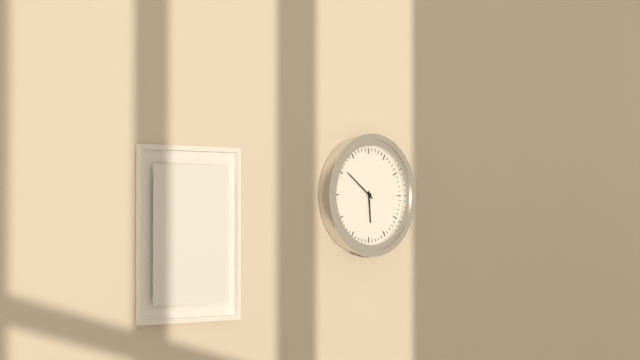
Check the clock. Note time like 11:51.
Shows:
5:51
